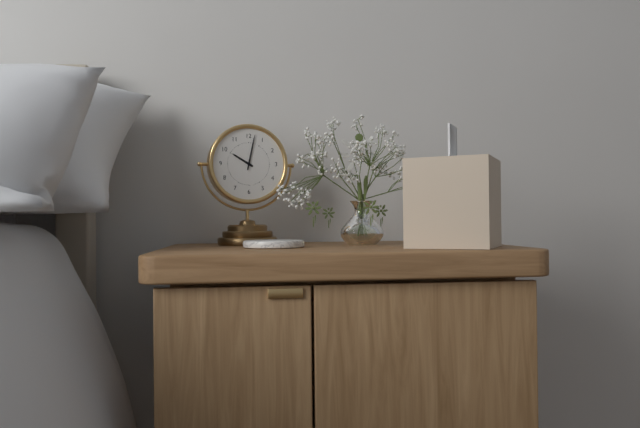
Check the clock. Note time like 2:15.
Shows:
10:02
